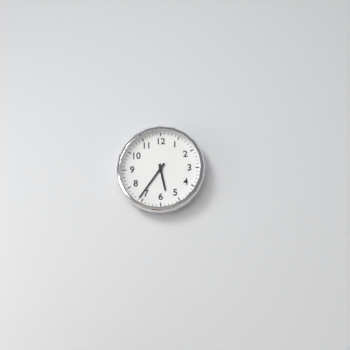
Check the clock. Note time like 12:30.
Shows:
5:36
